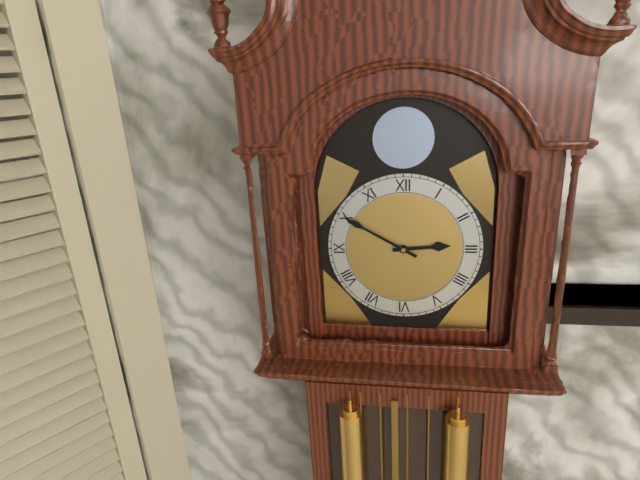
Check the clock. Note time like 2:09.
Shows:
2:50
